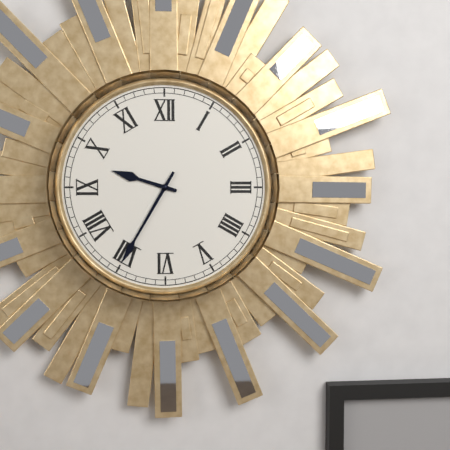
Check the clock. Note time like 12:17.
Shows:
9:35
